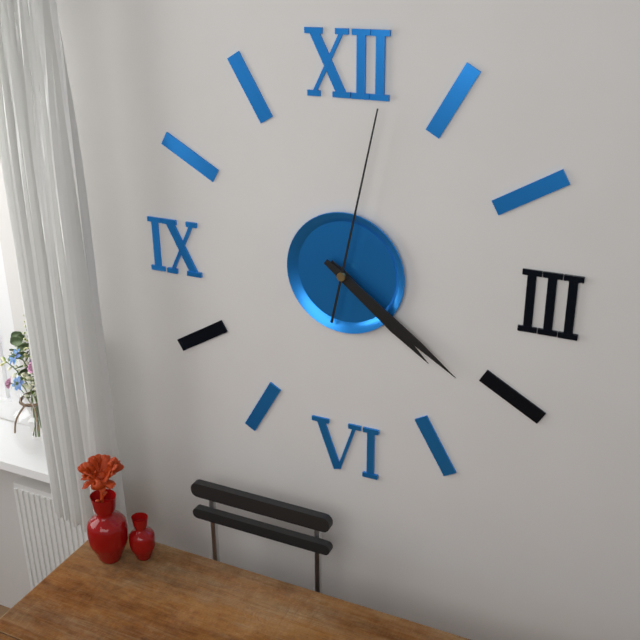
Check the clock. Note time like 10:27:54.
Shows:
4:21:02
